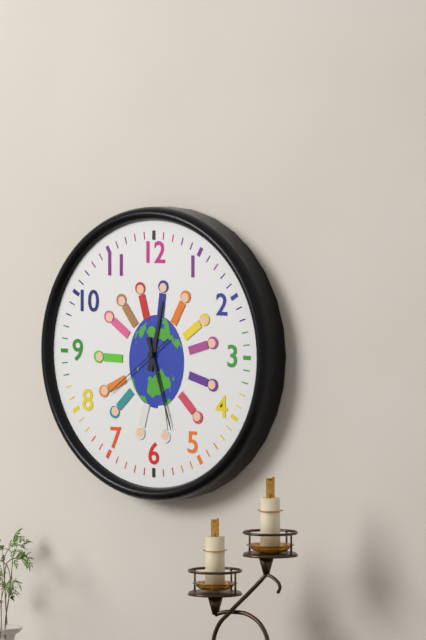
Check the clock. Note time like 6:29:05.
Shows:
12:27:39
